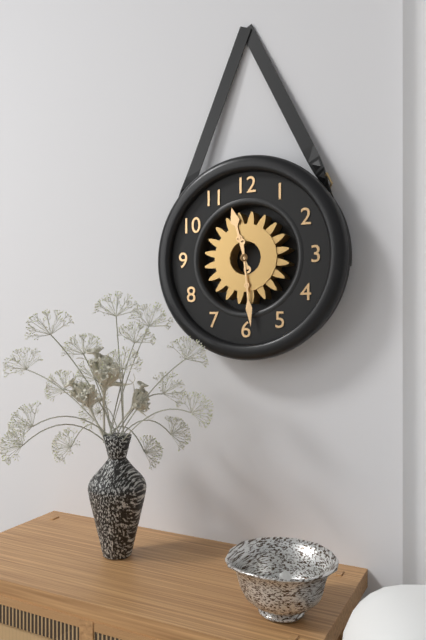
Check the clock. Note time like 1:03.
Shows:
11:29
